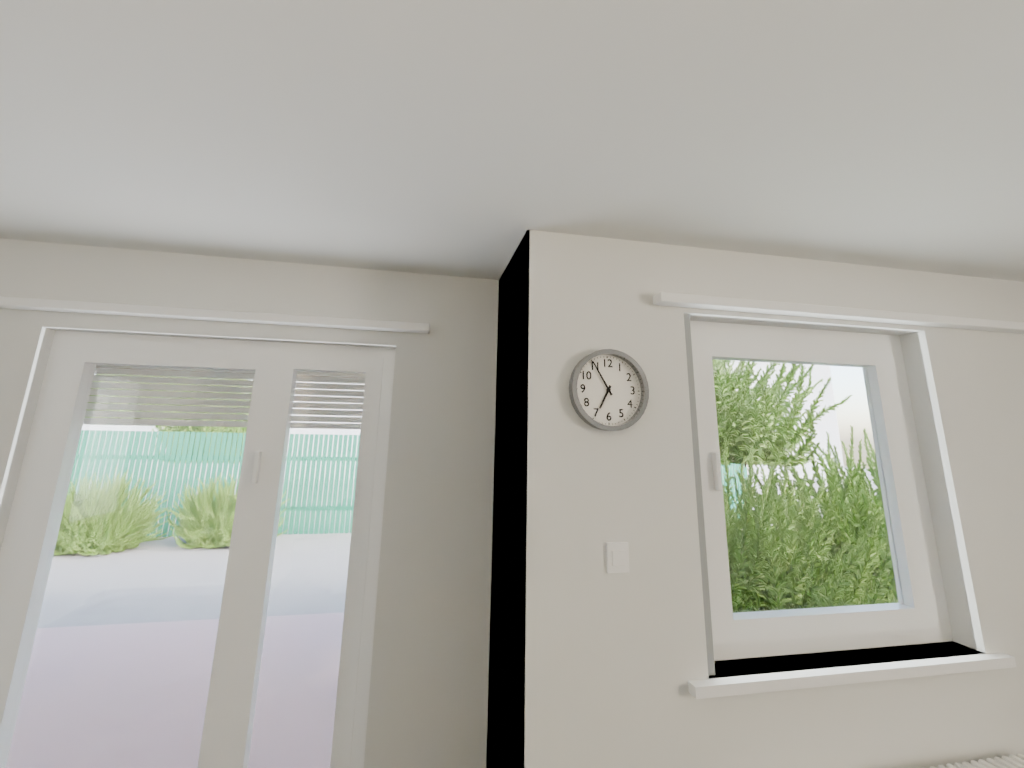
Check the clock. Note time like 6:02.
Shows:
6:55
